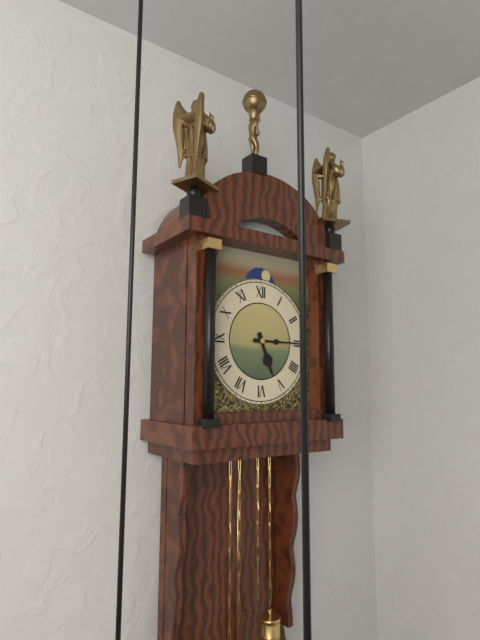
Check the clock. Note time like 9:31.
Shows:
5:15
